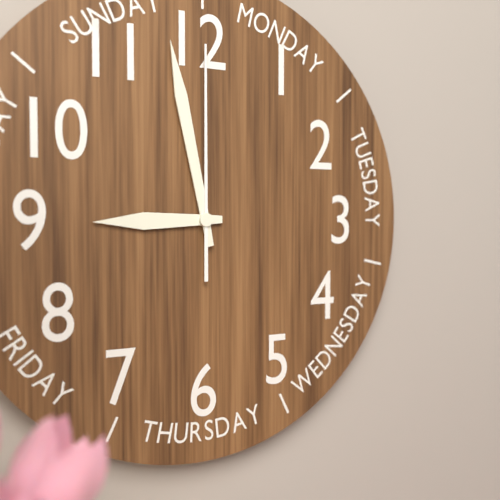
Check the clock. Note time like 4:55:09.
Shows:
8:58:00
